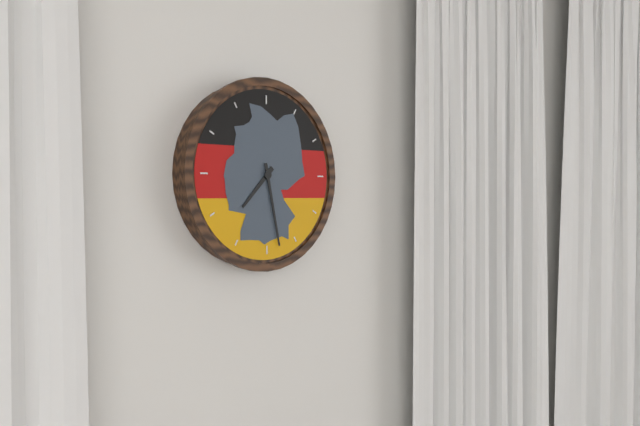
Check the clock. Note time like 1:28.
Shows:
7:28
